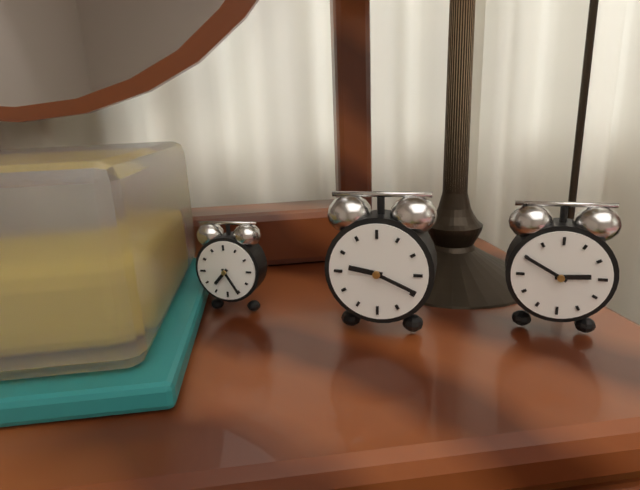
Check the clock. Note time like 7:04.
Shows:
9:19
